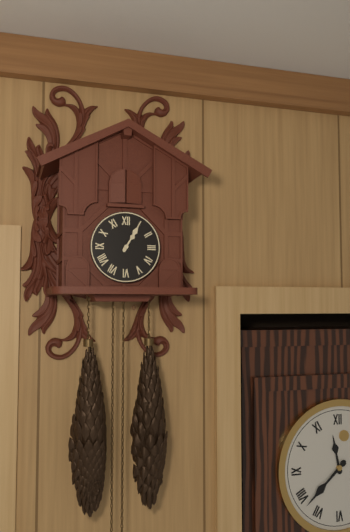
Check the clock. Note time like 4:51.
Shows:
1:05
